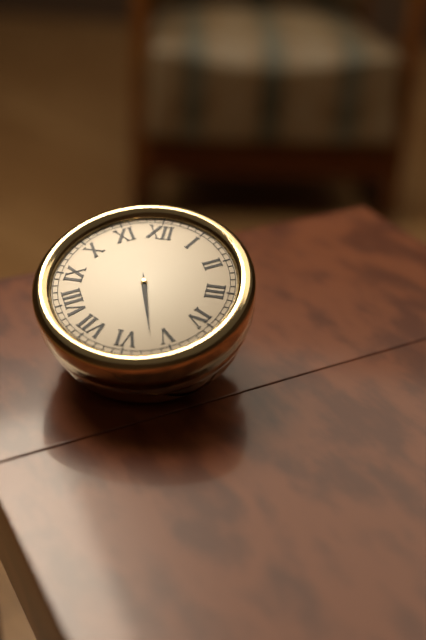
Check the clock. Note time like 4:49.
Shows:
5:27
